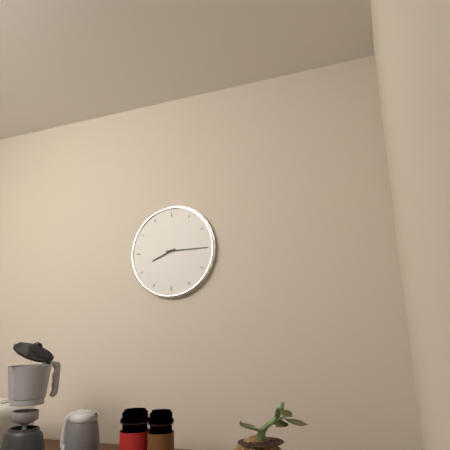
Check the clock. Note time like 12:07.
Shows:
8:15
